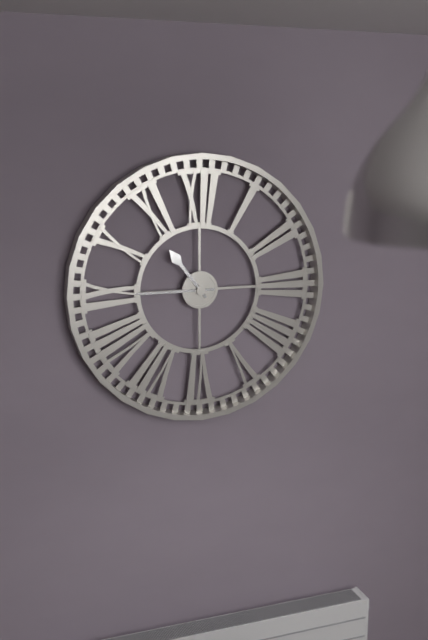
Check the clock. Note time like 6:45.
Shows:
10:45
